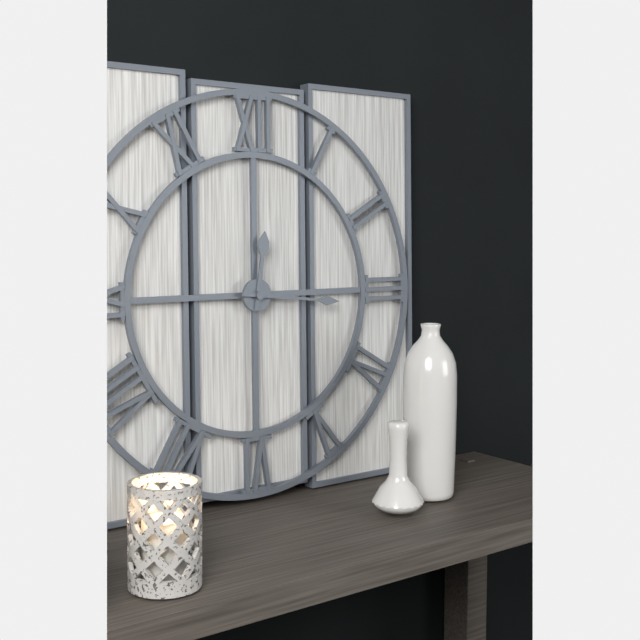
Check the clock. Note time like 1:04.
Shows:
12:16
